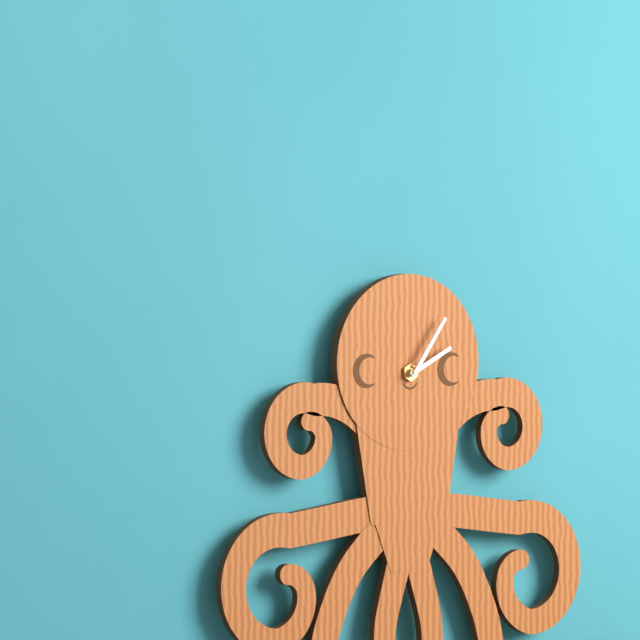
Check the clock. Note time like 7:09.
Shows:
2:06
